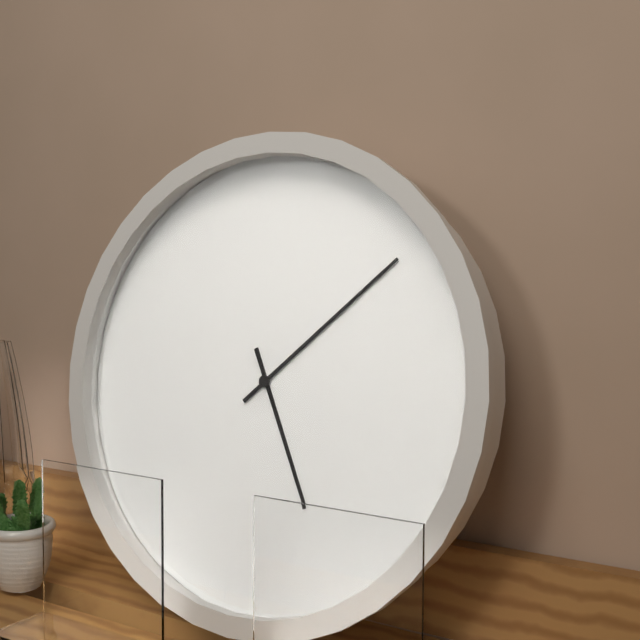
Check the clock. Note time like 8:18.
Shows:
5:08
